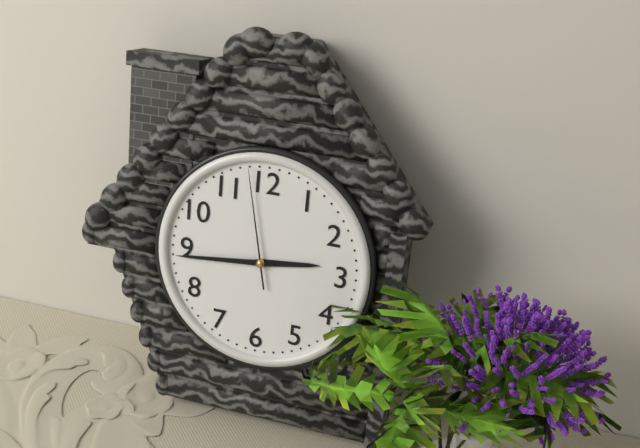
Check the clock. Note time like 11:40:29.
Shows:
2:44:58
